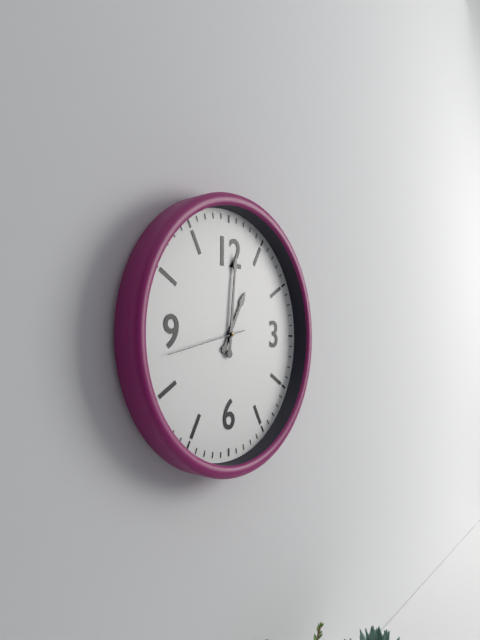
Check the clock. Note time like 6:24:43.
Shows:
1:01:43
